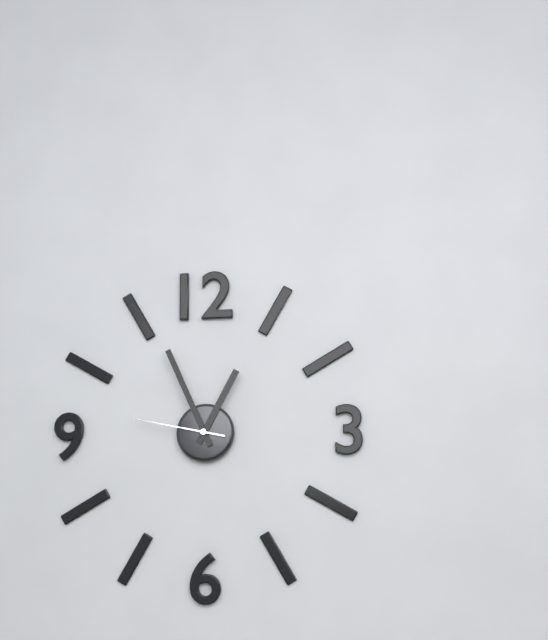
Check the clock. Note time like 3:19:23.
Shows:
12:56:47
